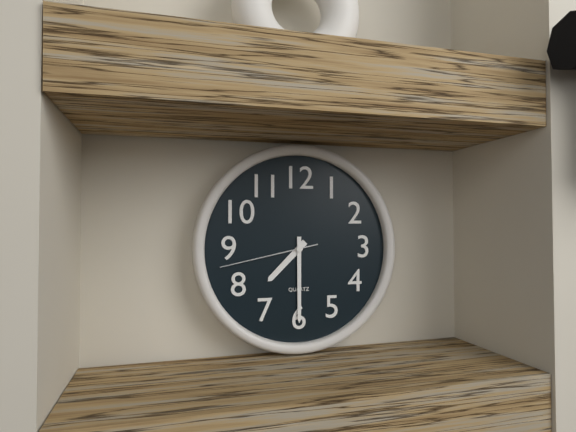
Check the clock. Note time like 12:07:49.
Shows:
7:30:43
